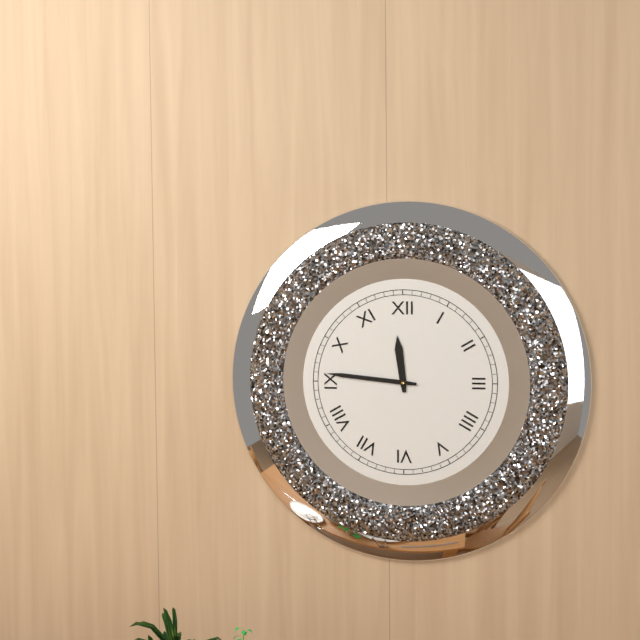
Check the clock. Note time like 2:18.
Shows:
11:46
